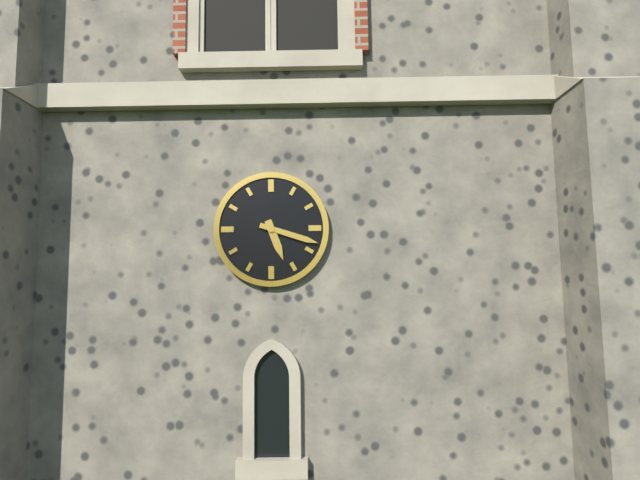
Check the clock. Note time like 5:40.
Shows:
5:18
